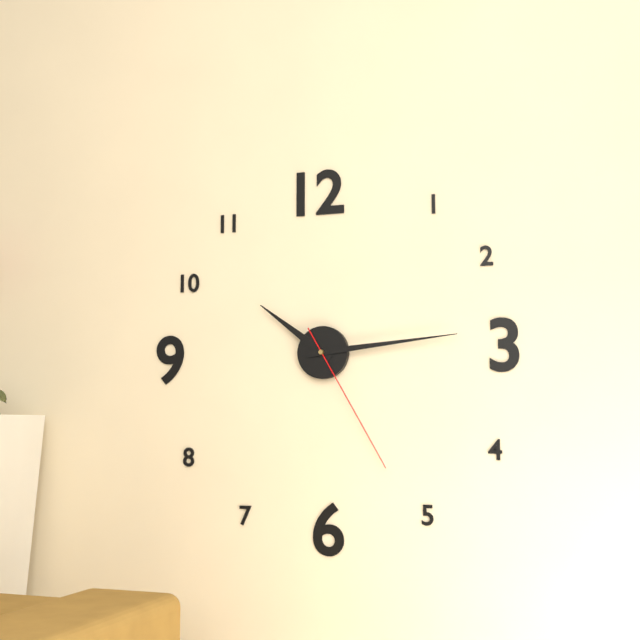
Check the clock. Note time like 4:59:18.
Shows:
10:14:25
